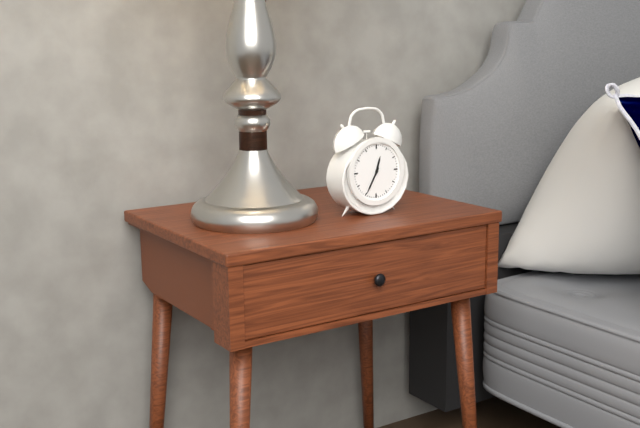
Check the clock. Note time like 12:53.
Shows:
12:35
